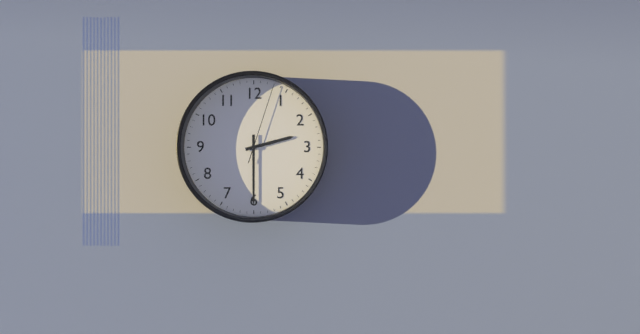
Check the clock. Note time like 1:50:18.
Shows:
2:30:03
